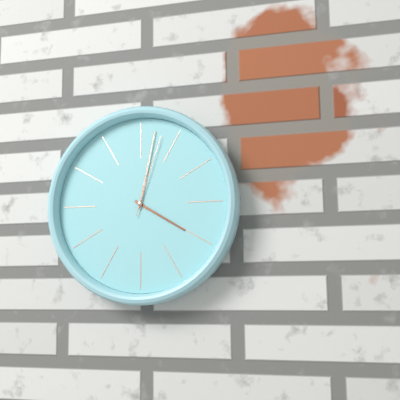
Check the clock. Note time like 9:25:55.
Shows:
4:02:03
